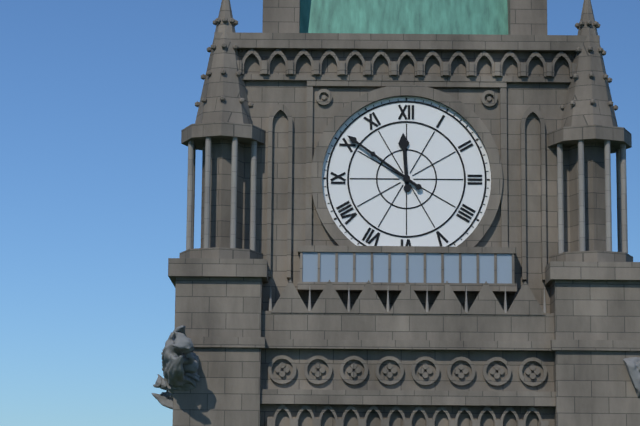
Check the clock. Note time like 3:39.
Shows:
11:51
